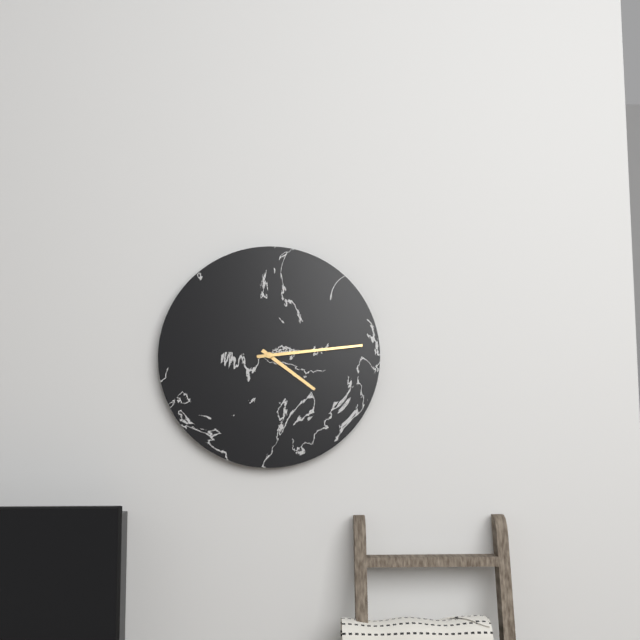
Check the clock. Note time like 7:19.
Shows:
4:14
